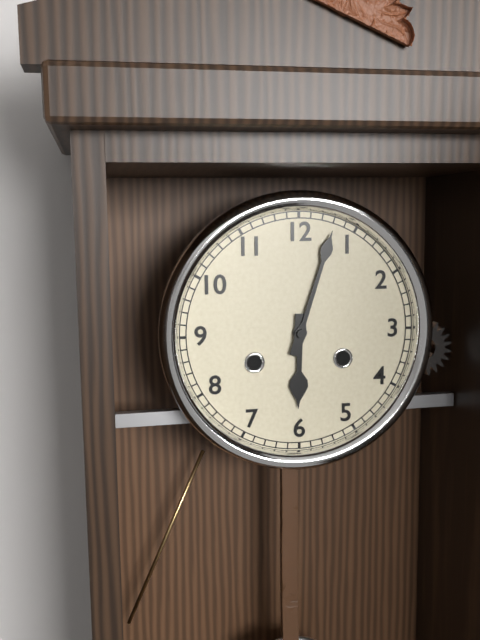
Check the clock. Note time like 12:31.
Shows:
6:03
